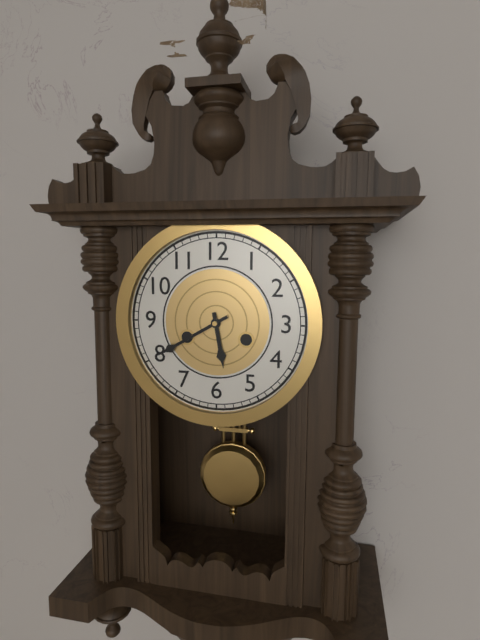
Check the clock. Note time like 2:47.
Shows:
5:40
